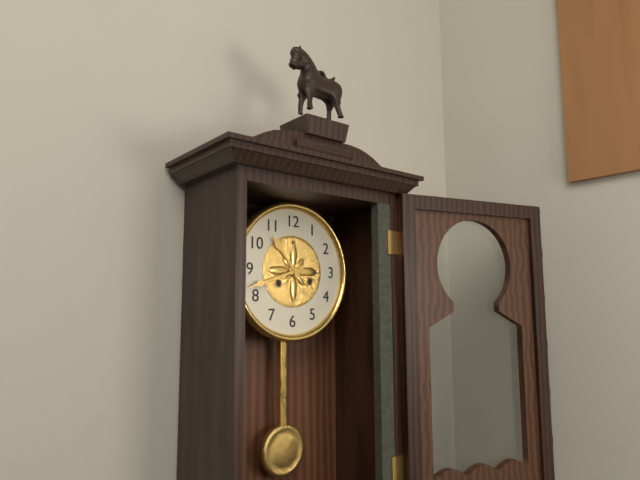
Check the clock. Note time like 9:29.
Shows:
10:42
